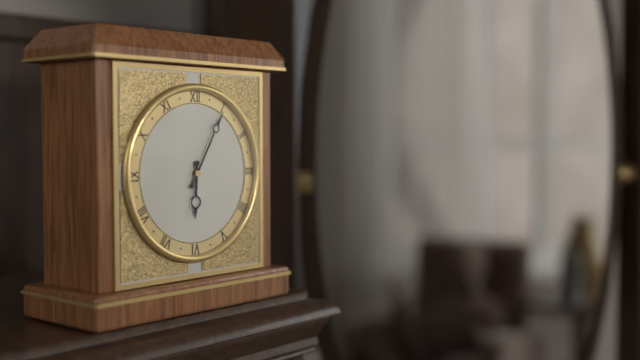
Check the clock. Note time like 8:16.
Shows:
6:05
